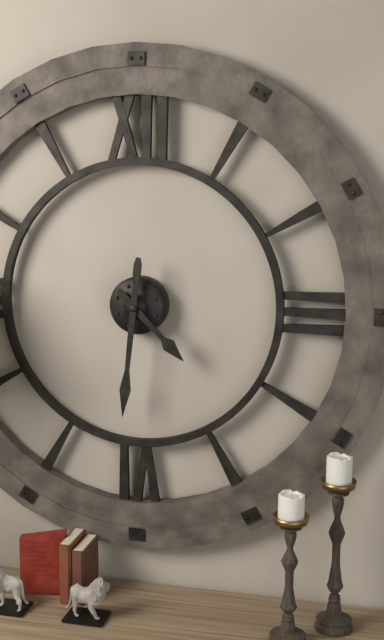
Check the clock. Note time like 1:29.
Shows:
4:31
